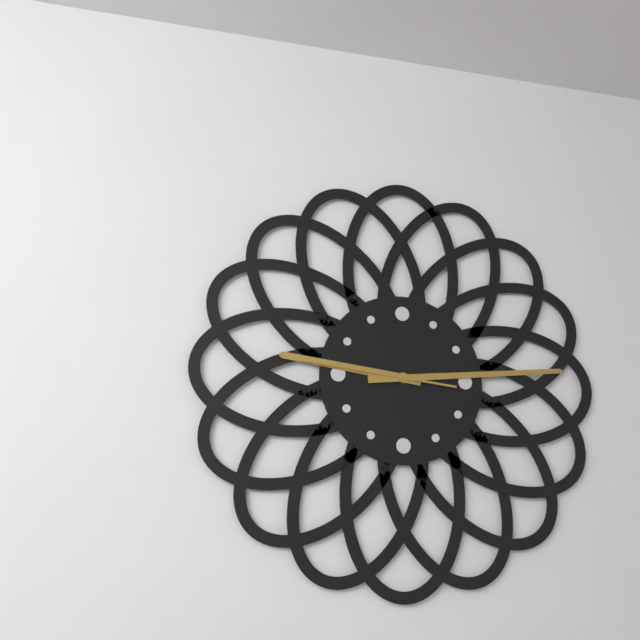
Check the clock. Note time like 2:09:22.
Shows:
9:14:46
